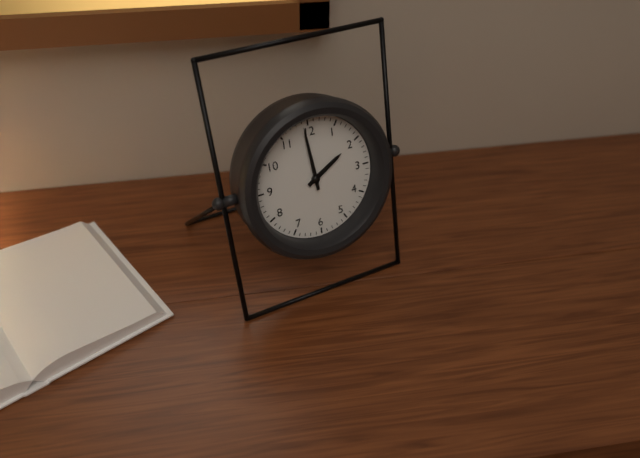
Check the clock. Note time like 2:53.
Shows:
1:59
